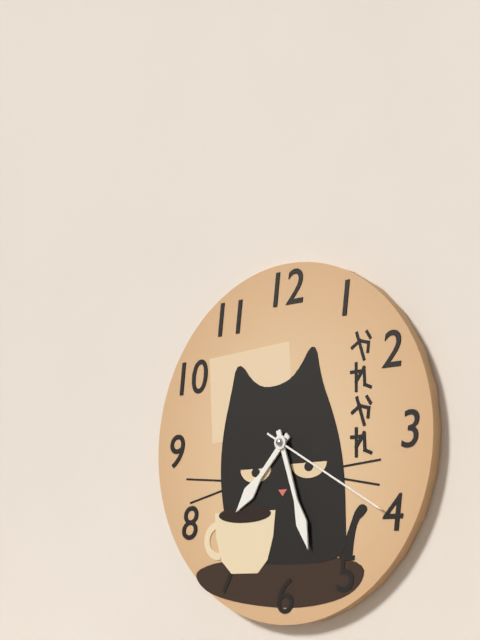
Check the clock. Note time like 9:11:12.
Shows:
7:27:20
